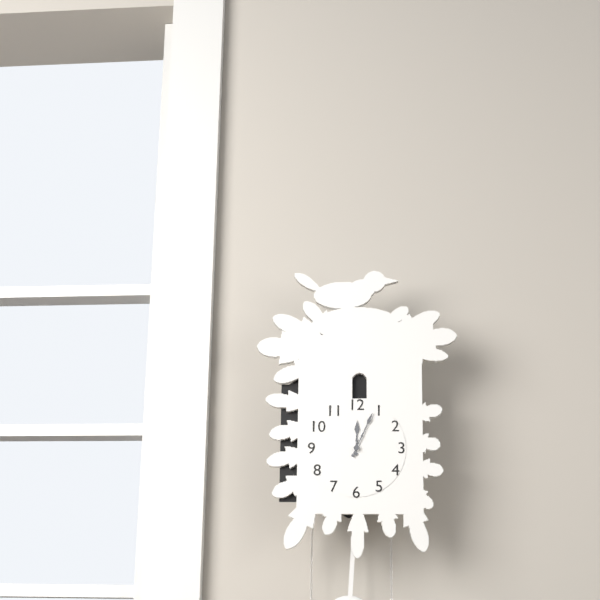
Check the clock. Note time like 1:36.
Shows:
12:04
